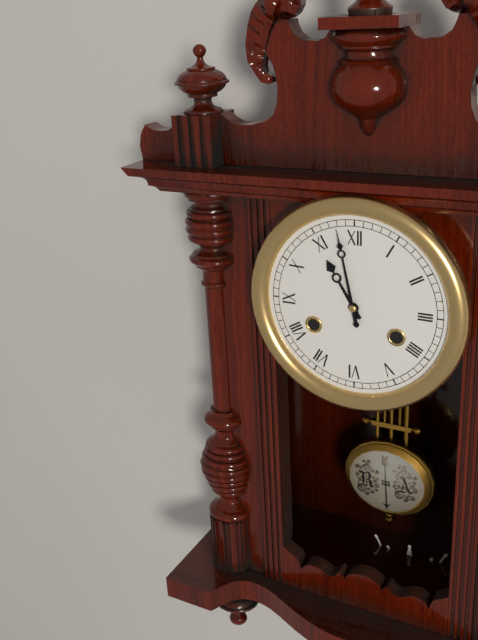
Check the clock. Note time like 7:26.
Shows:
10:58
